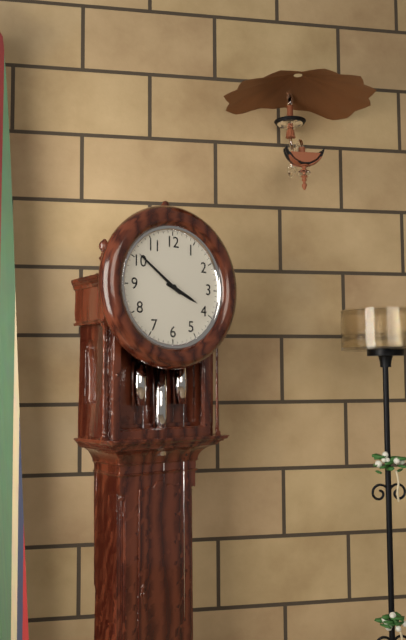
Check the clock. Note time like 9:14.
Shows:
3:51
